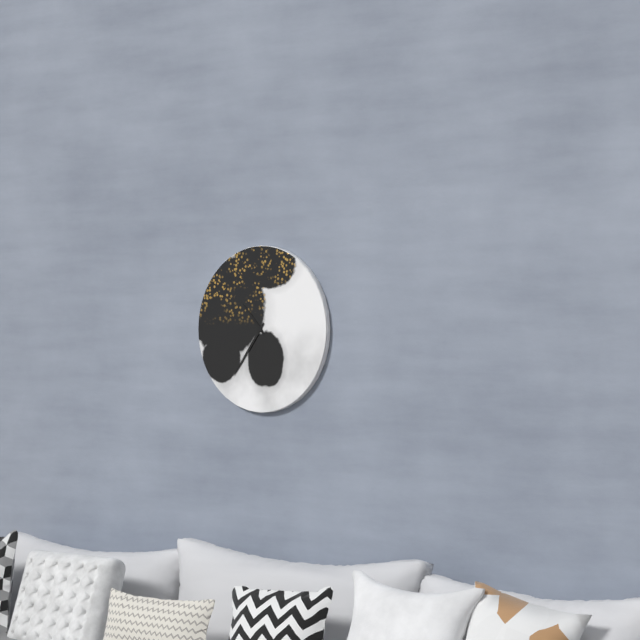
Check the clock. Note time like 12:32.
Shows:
10:36
